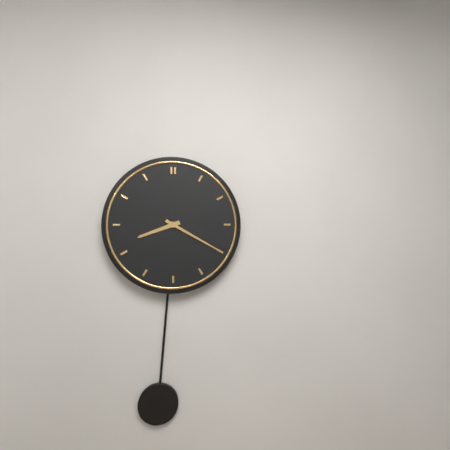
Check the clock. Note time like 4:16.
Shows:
8:20
